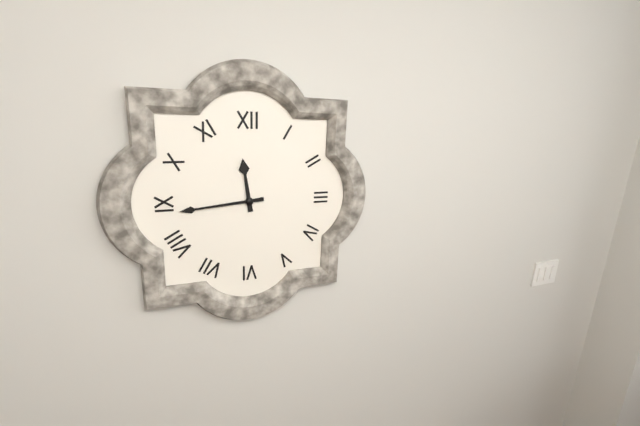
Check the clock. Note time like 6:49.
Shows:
11:44
